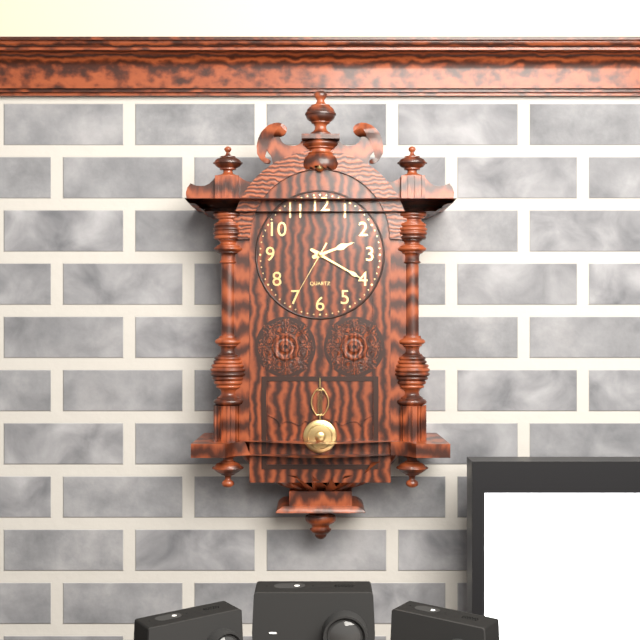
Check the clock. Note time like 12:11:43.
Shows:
2:20:35
